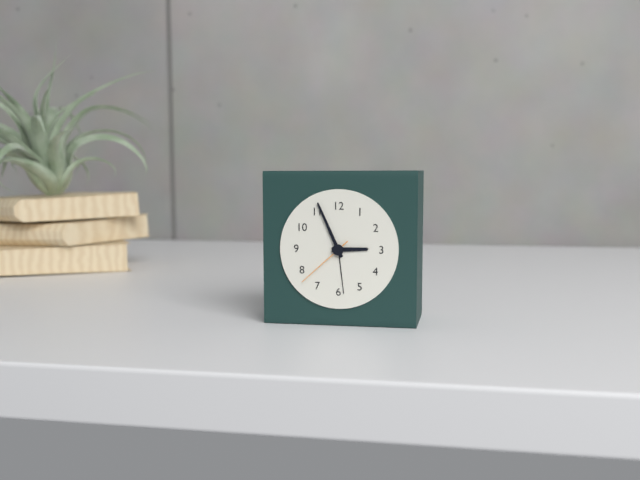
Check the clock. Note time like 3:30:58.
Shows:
2:56:38
